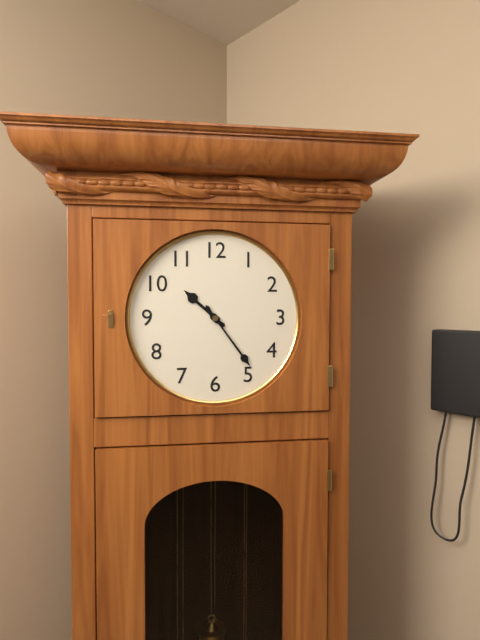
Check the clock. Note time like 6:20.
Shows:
10:24
